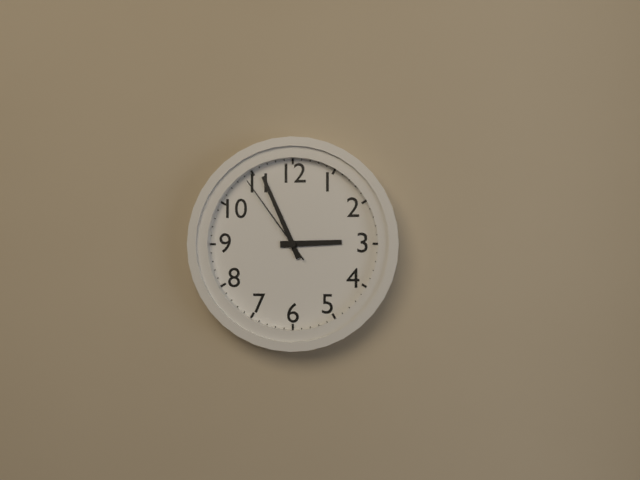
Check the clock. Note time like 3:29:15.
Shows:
2:56:54
